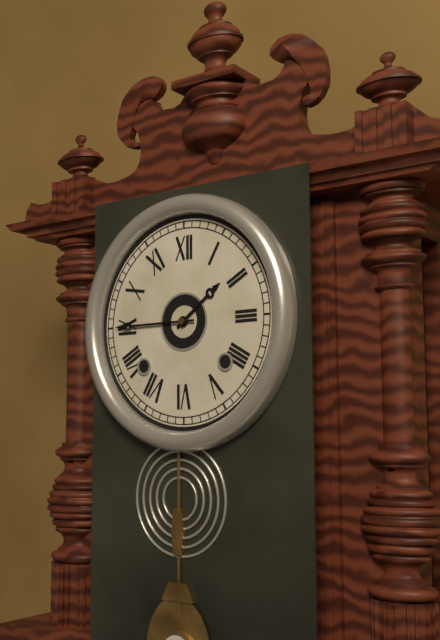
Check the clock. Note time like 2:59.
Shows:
1:45
